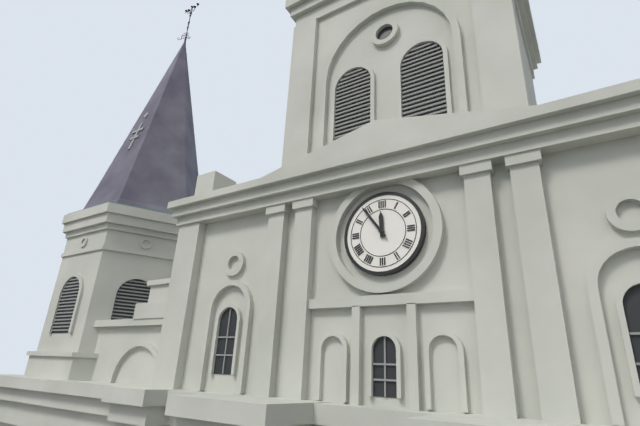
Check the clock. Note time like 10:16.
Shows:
11:54
